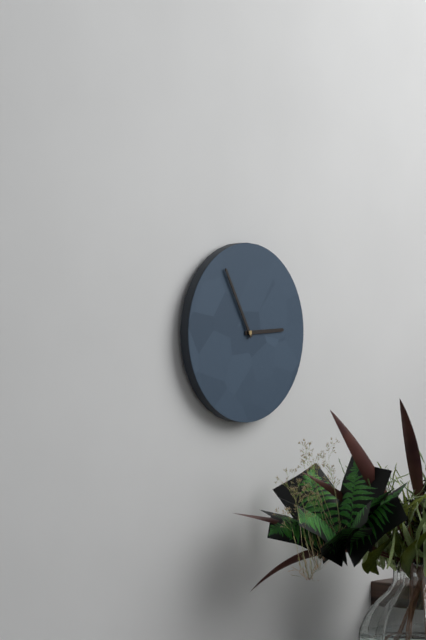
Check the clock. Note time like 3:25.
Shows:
2:55
